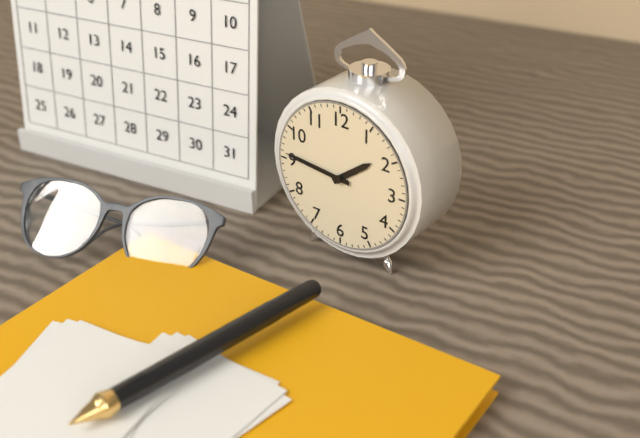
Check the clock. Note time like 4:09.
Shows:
1:46
